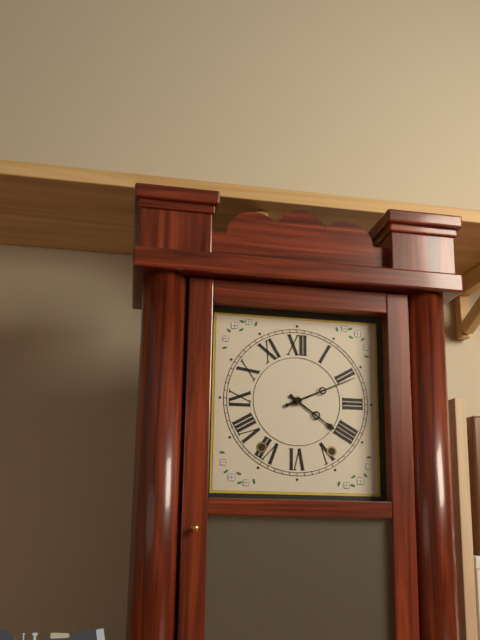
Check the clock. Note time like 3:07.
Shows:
4:11
